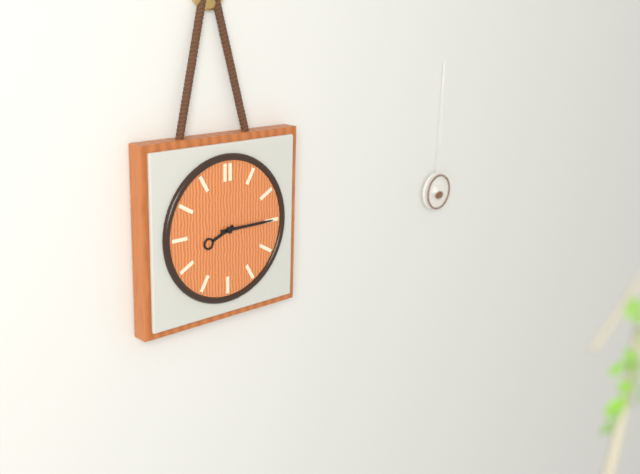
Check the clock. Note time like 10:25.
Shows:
8:15
